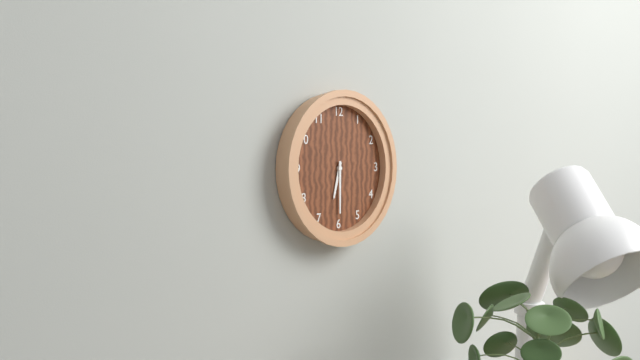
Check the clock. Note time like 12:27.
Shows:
6:30
